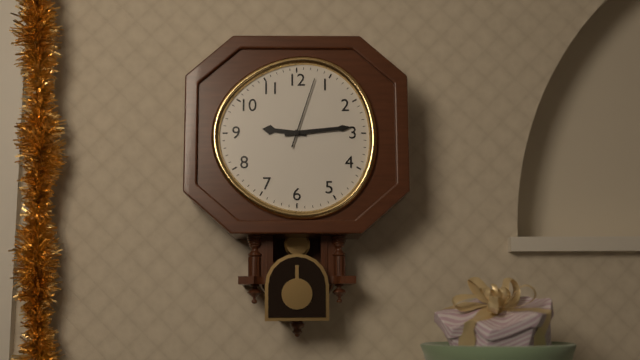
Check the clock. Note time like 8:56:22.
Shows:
9:14:03
